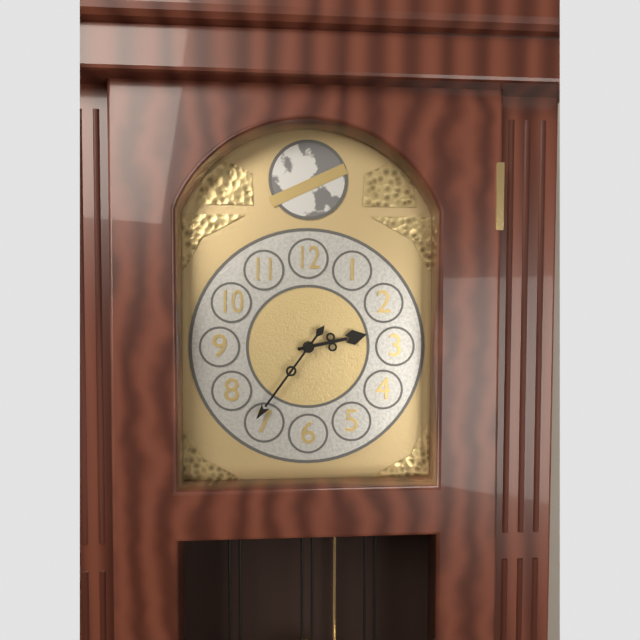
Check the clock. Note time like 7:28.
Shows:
2:36
